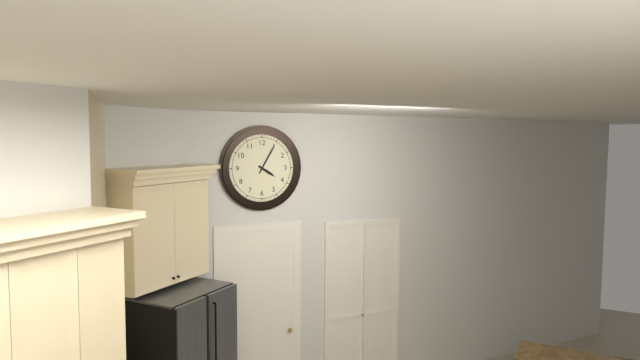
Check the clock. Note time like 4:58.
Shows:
4:05
